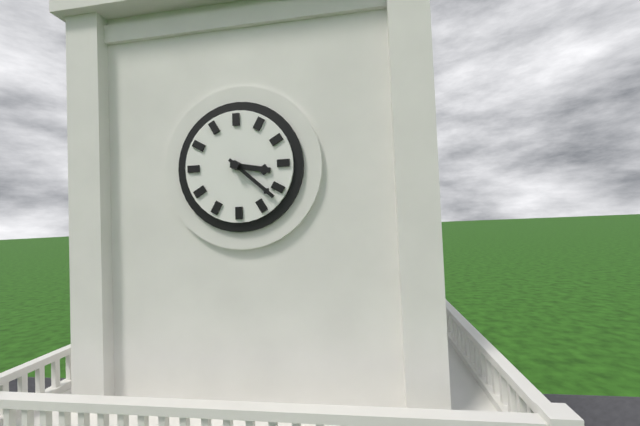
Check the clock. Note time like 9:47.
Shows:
3:22
